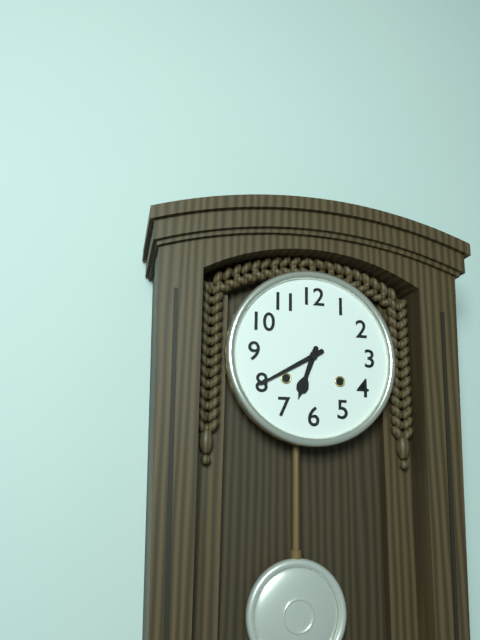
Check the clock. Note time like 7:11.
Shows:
6:40
